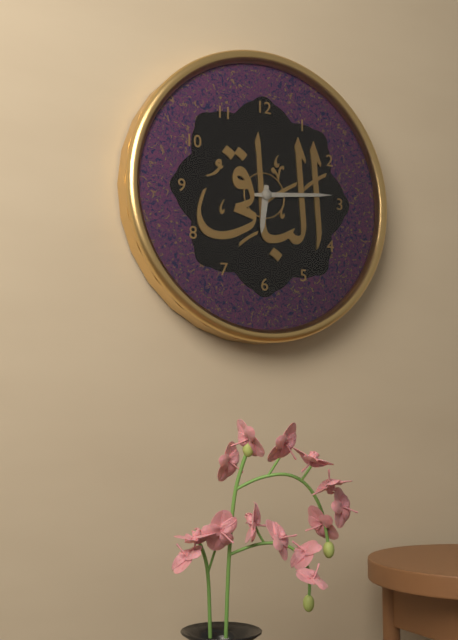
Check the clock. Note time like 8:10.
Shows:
6:14
